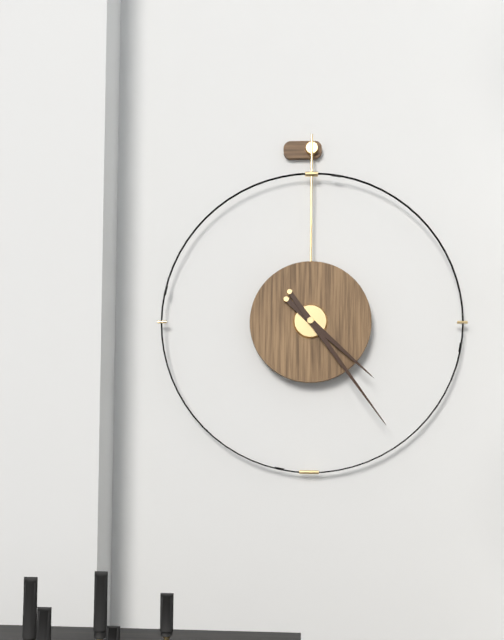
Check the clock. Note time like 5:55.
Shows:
4:24
